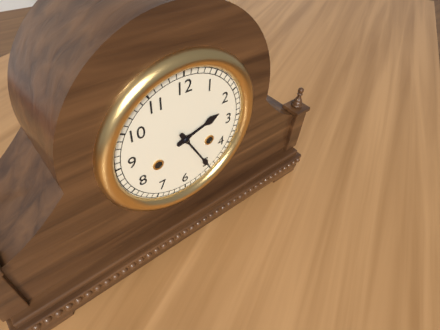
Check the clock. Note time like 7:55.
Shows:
2:25
